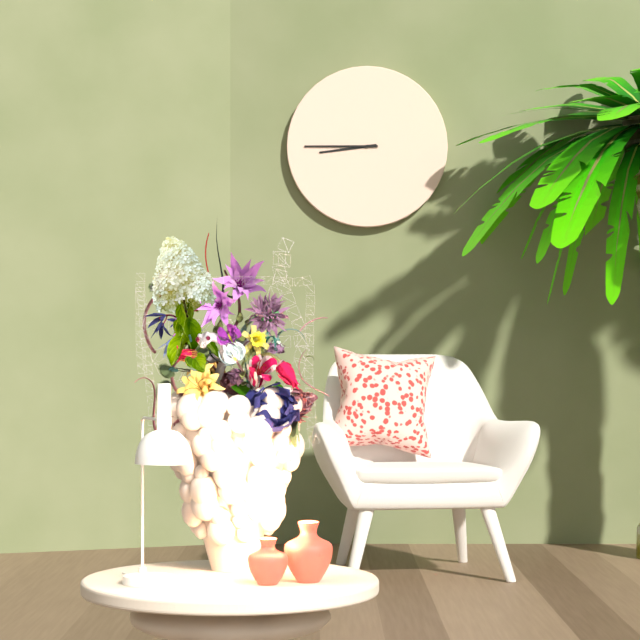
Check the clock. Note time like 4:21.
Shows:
8:45
